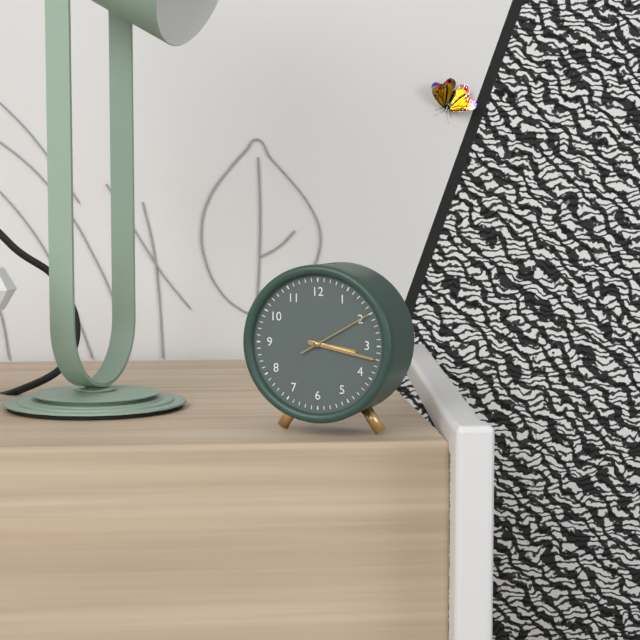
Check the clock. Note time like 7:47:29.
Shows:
3:17:10
